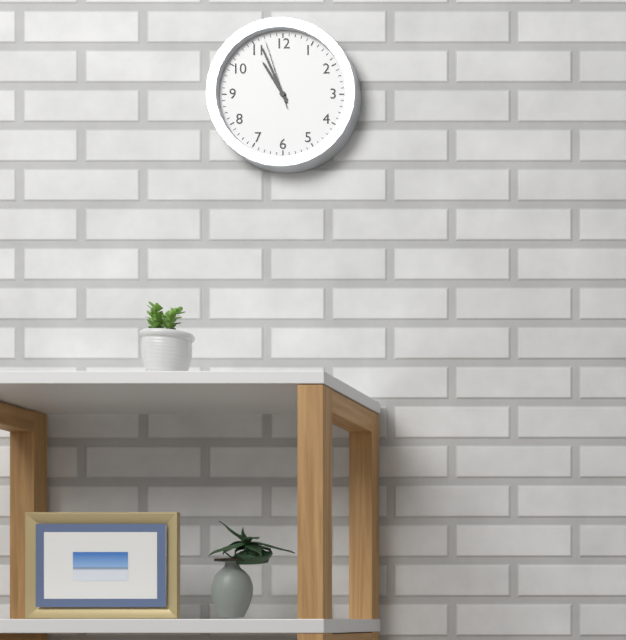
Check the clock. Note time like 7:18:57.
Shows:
10:56:57
